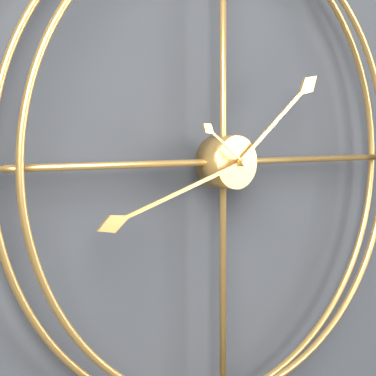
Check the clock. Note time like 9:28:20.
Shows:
1:42:51
